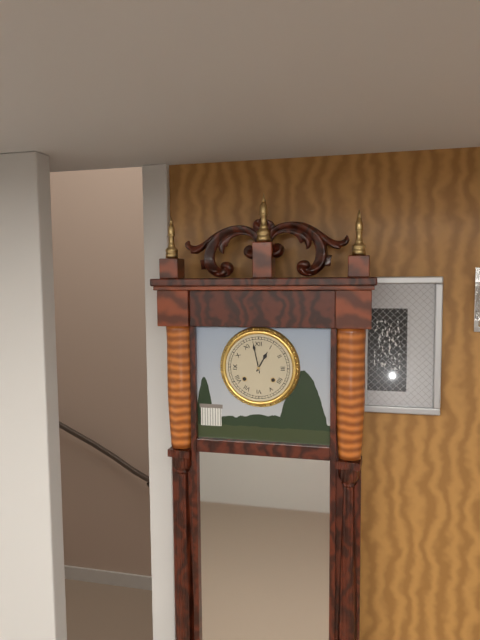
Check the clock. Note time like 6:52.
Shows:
12:58
